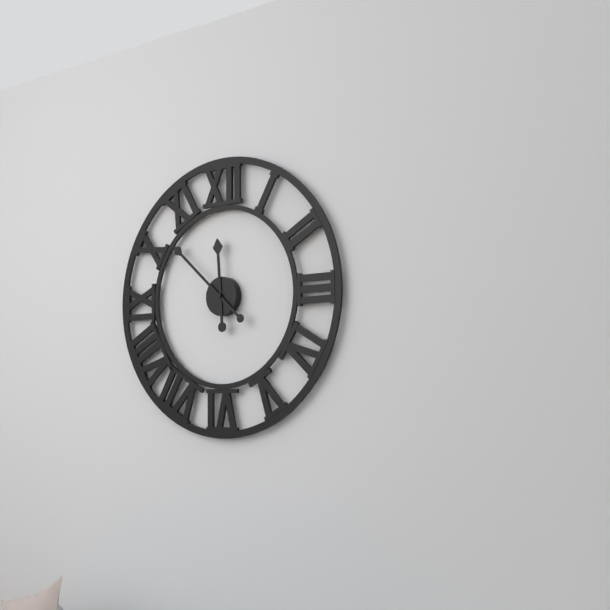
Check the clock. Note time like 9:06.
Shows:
11:52
